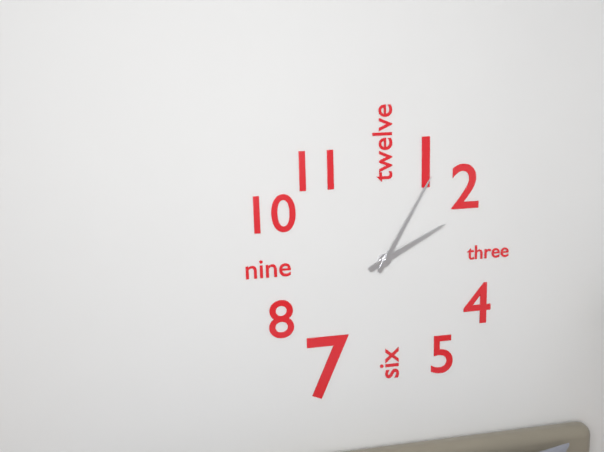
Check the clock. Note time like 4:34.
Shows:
2:05
